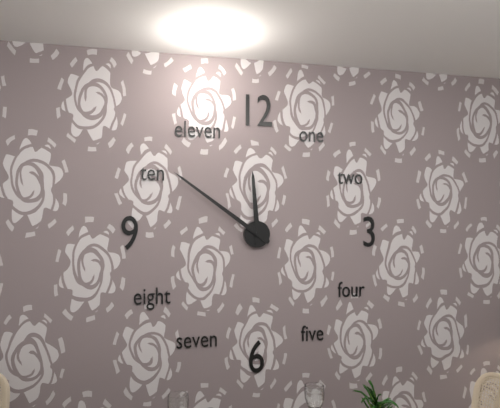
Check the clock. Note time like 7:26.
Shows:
11:51
